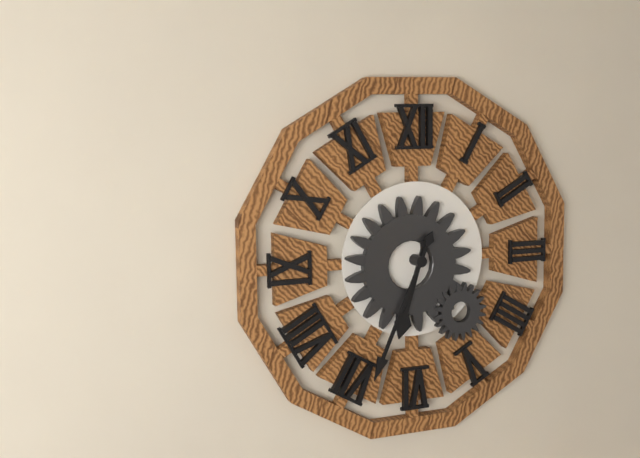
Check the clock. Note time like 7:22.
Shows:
6:34
